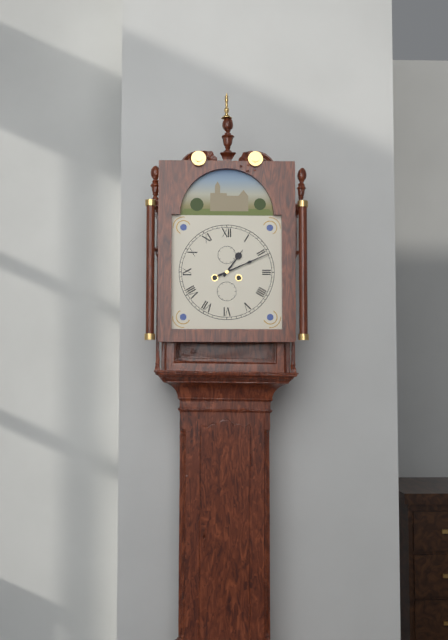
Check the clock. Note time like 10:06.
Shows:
1:11
